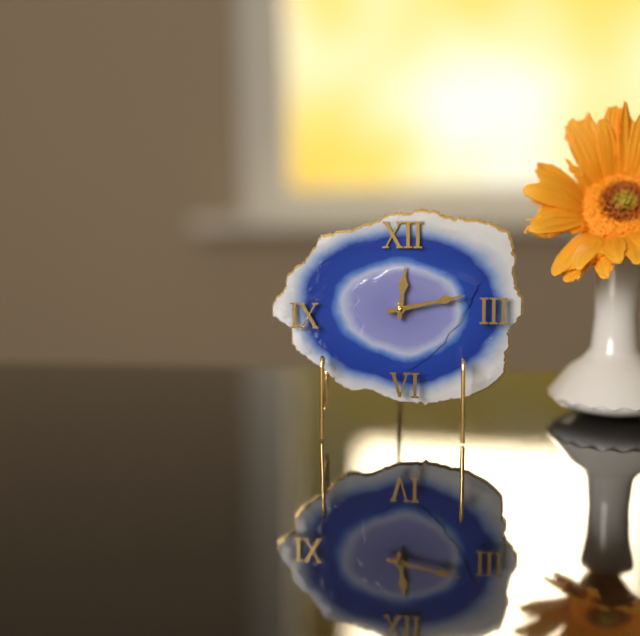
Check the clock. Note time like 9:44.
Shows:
12:13
